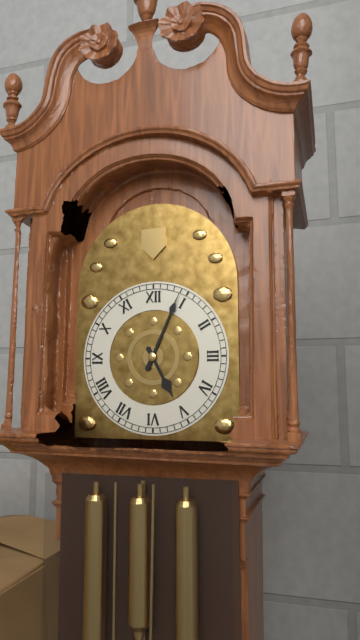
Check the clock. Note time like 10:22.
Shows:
5:04
